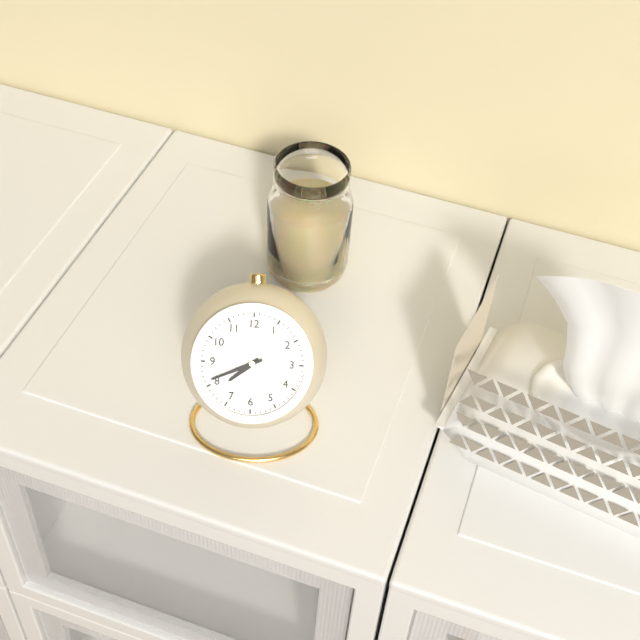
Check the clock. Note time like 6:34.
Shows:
7:41
